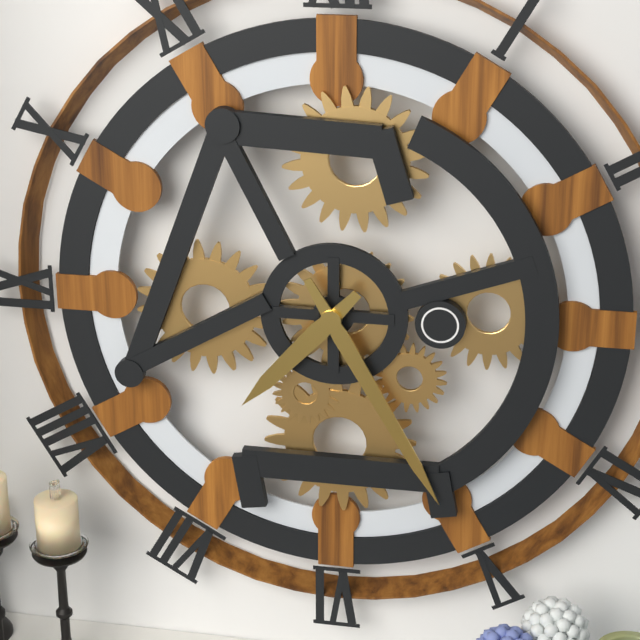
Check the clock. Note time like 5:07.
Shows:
7:25
